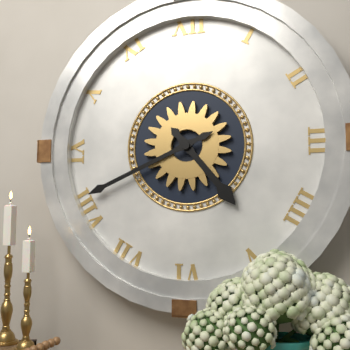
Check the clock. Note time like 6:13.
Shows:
4:41
